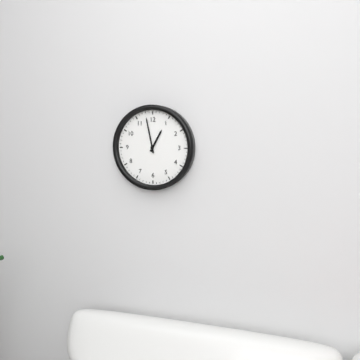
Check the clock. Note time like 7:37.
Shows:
12:58
